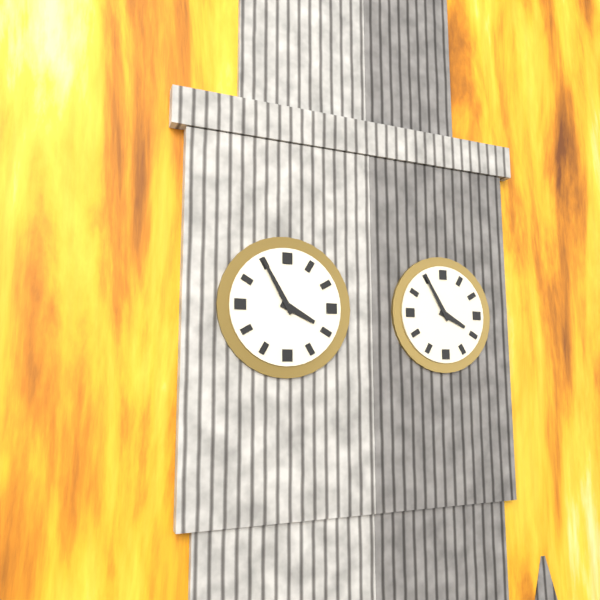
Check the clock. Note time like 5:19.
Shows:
3:55
